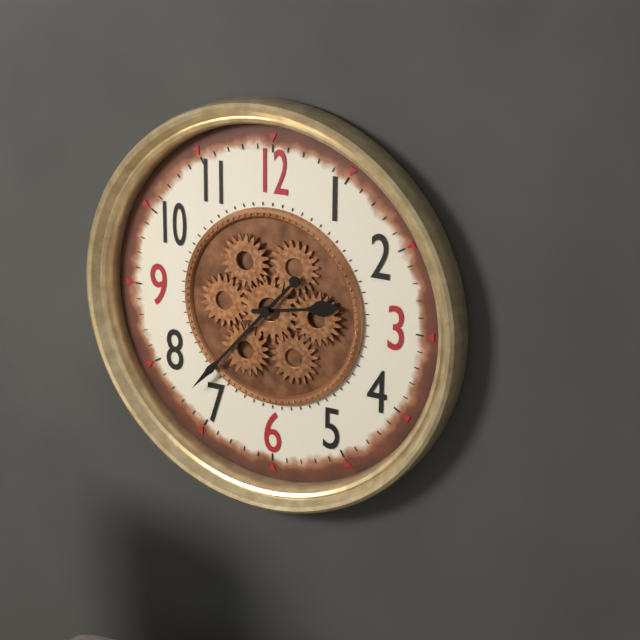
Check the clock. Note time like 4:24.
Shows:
2:37
